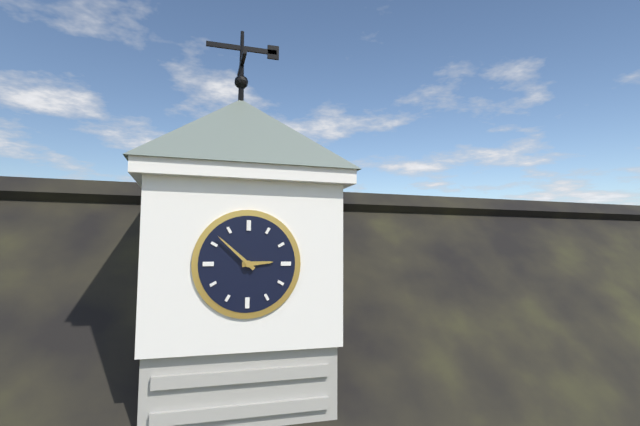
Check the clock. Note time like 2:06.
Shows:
2:52
